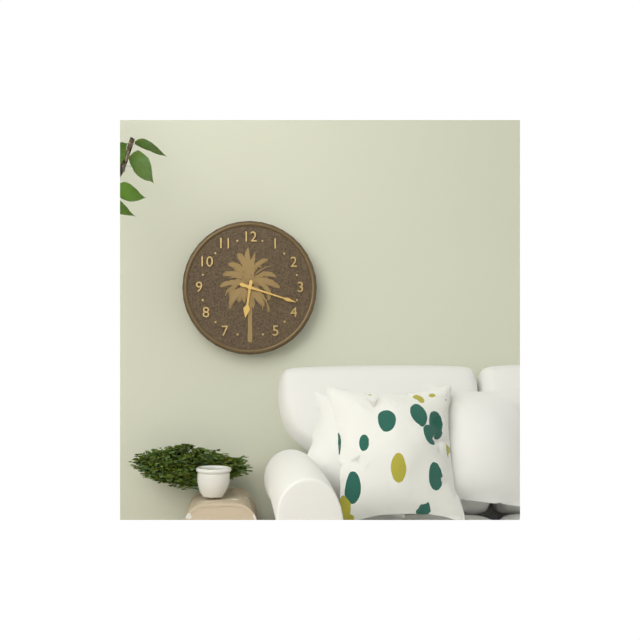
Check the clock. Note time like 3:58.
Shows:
6:18
